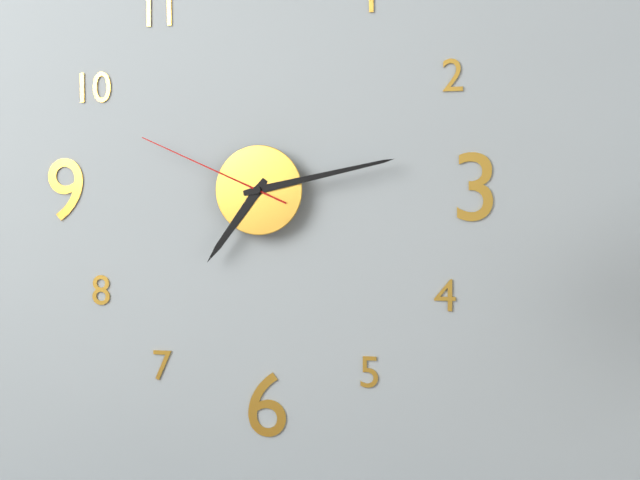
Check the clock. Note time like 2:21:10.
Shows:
7:13:49
